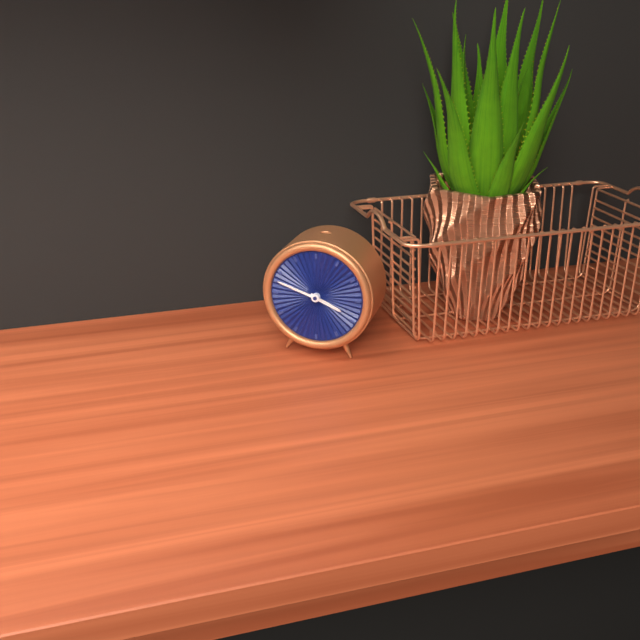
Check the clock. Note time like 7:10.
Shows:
3:48
